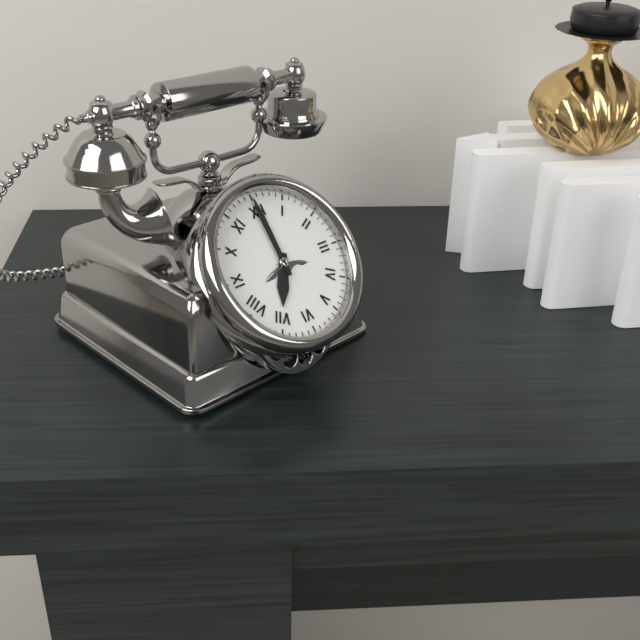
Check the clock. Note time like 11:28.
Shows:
7:00
